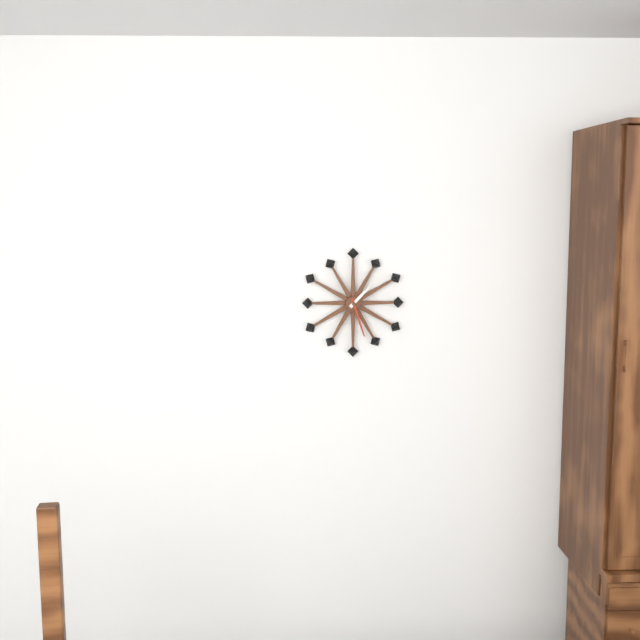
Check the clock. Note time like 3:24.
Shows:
1:27
